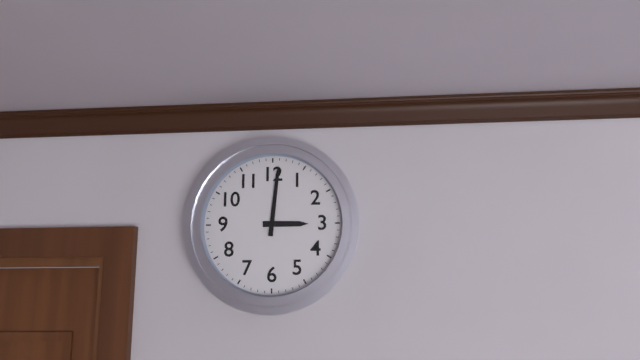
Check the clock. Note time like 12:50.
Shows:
3:01
